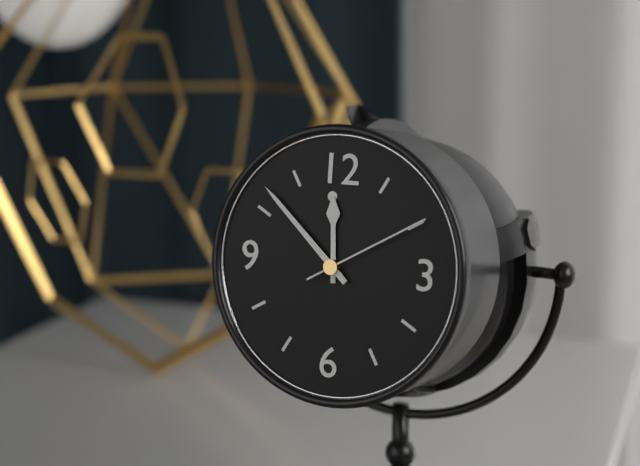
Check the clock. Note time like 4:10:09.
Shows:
11:52:10
